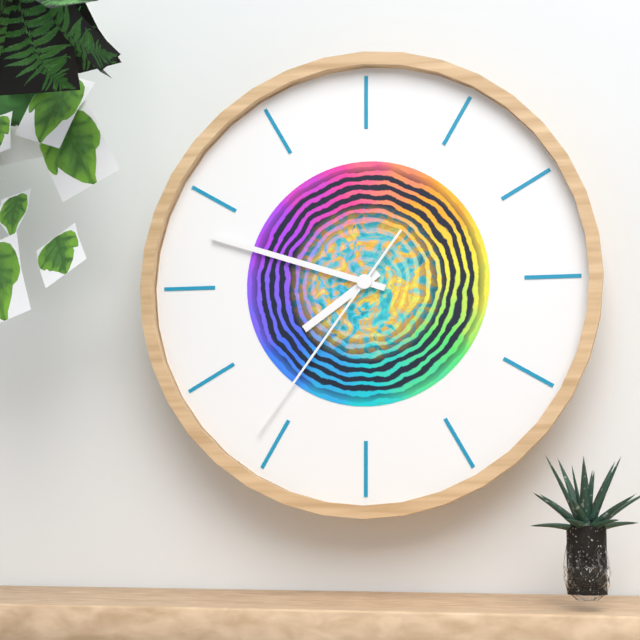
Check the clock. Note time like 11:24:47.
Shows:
7:48:36
